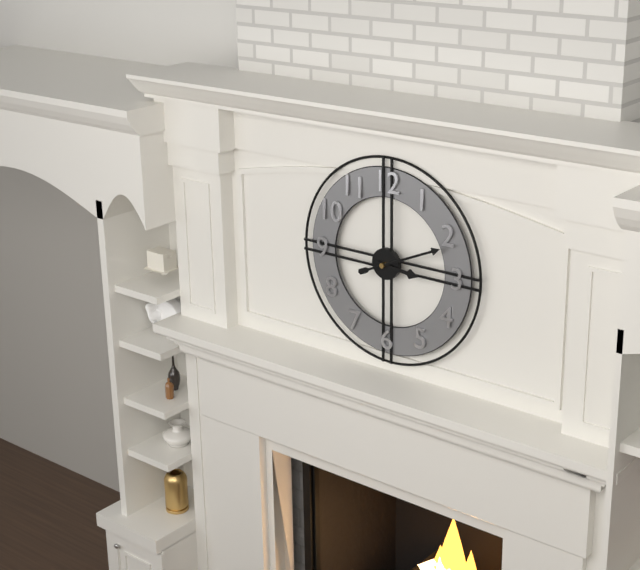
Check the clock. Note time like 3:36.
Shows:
3:11
